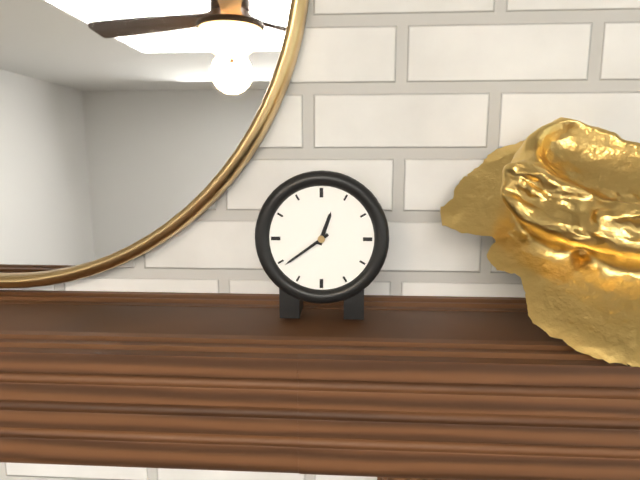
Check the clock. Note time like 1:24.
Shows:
12:39
